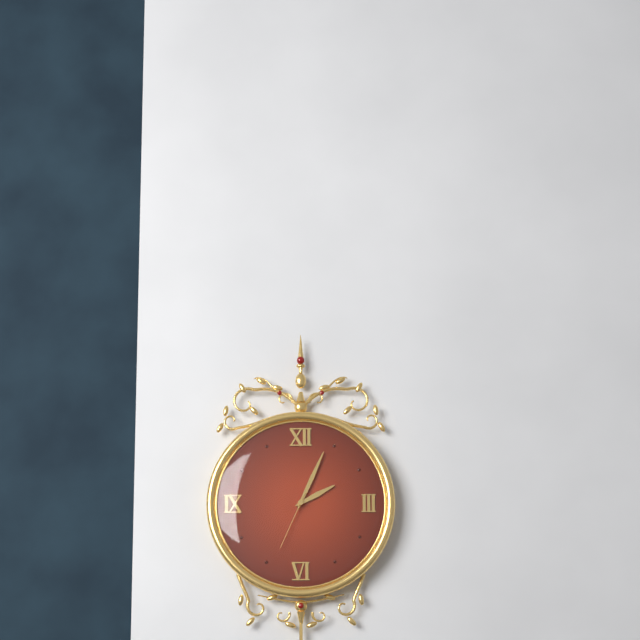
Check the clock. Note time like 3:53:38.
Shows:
2:04:34
